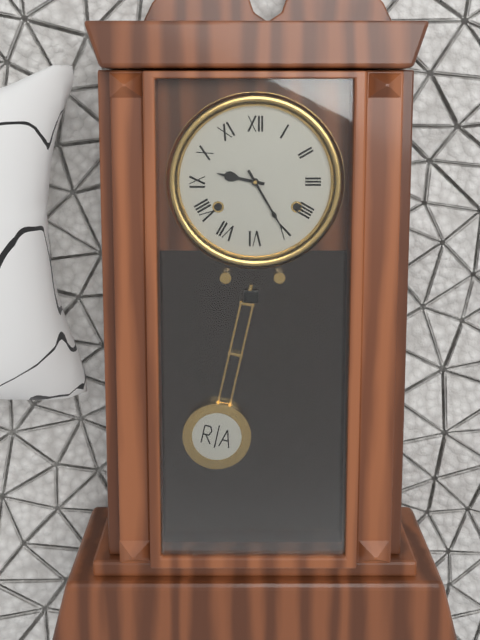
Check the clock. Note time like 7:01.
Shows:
9:25
